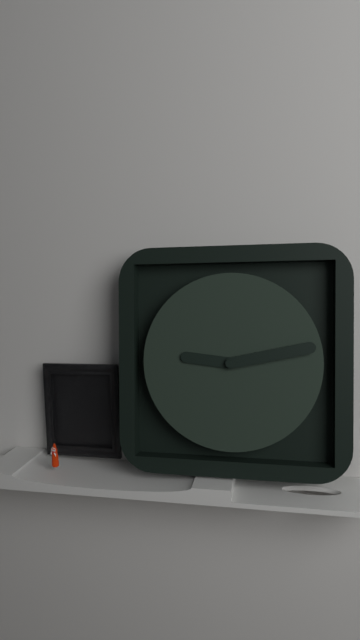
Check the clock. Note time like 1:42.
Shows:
9:13
